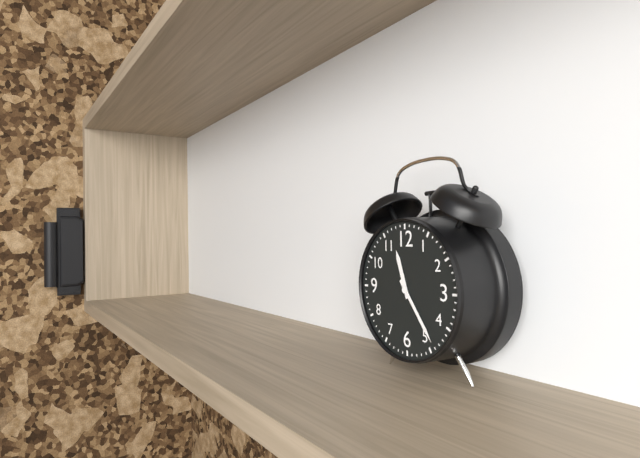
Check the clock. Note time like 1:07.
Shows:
11:24
